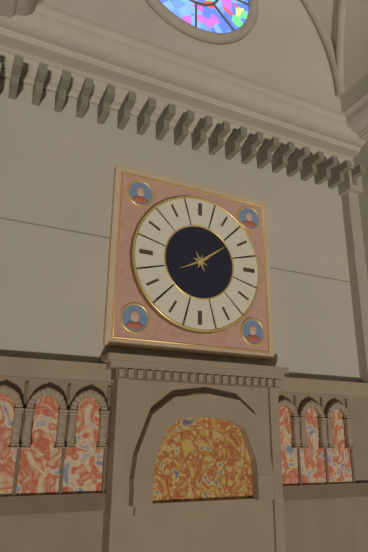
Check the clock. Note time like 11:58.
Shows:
8:09
